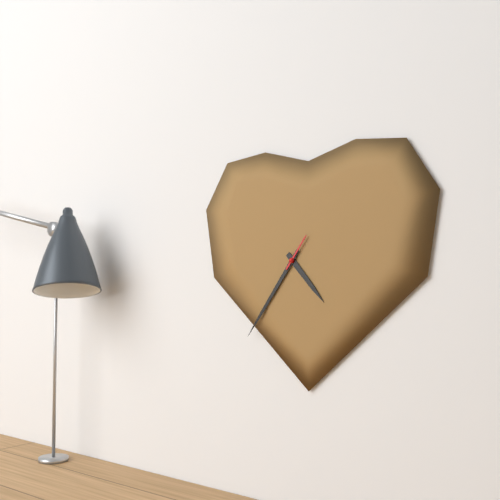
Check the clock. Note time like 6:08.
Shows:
4:36
